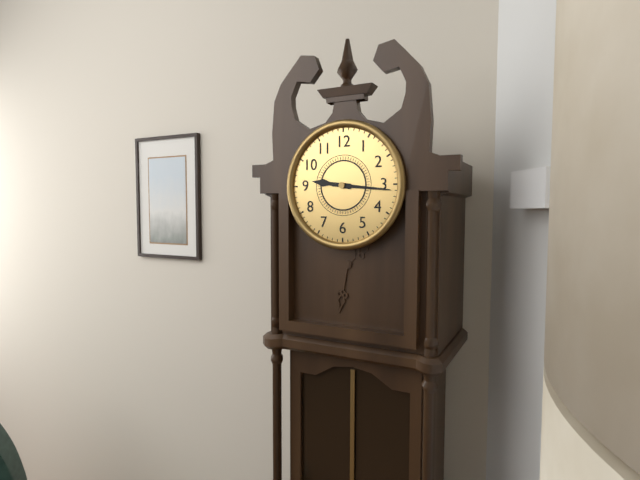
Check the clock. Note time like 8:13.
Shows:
9:16
